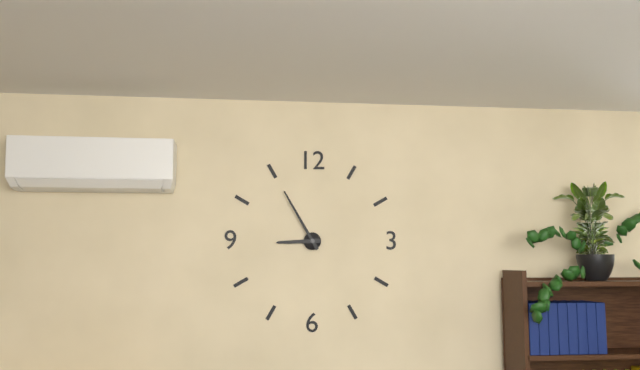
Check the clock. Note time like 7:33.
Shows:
8:55
